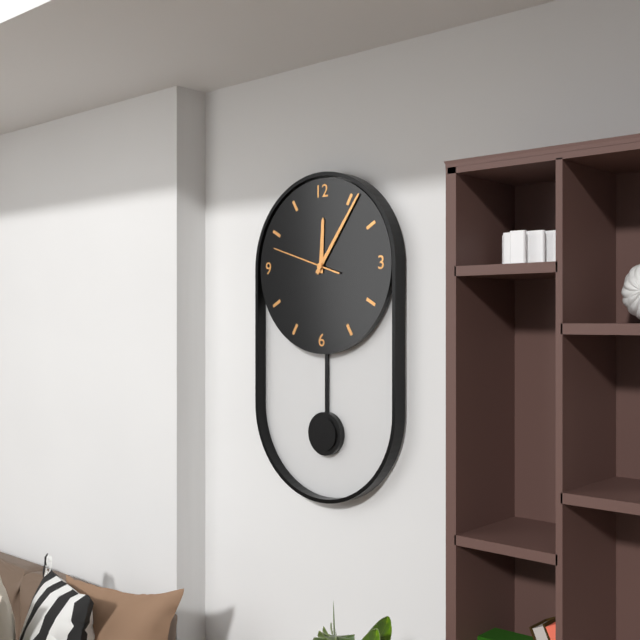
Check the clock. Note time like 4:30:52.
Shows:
12:06:48
